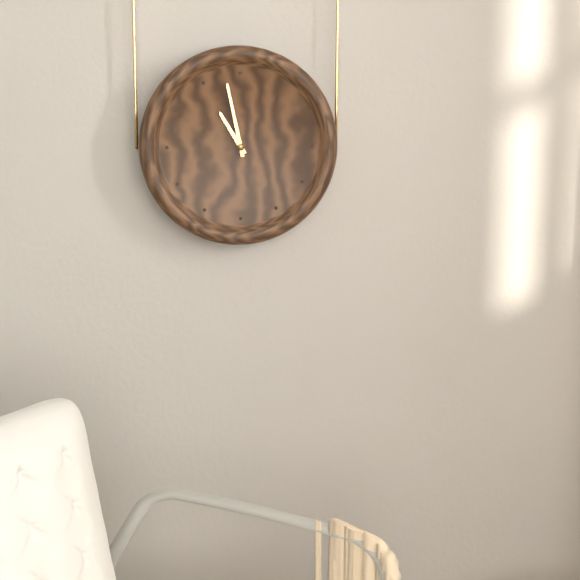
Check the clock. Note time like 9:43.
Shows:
10:58
